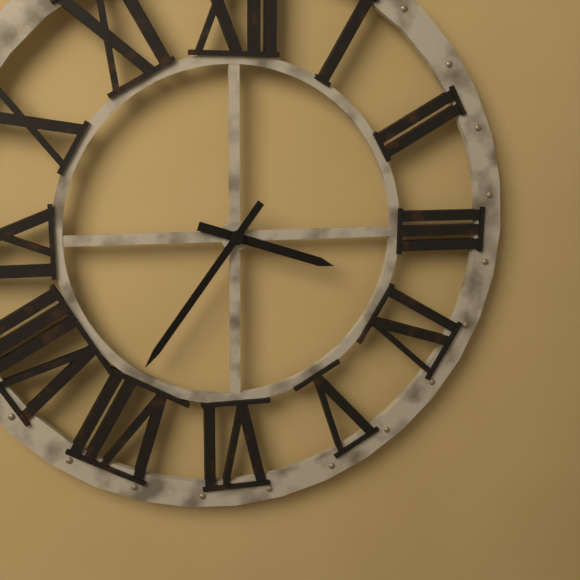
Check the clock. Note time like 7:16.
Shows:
3:36
